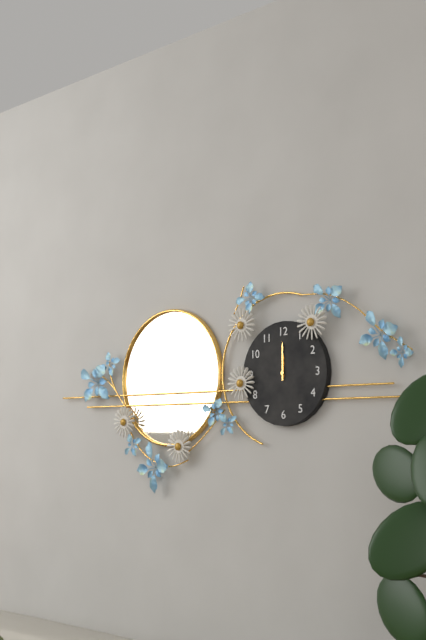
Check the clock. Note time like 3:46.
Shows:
12:00
